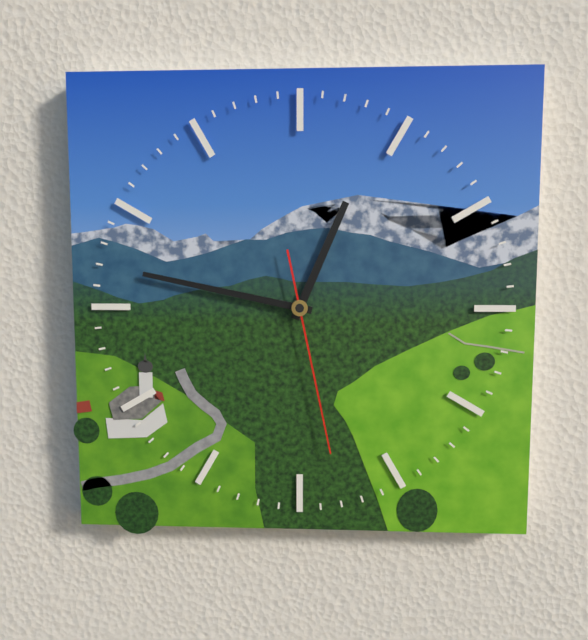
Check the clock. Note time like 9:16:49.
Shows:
12:47:28
